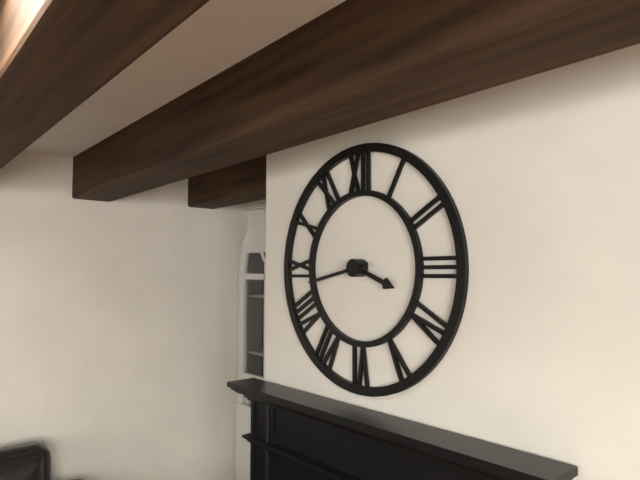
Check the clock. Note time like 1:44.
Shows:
3:43
